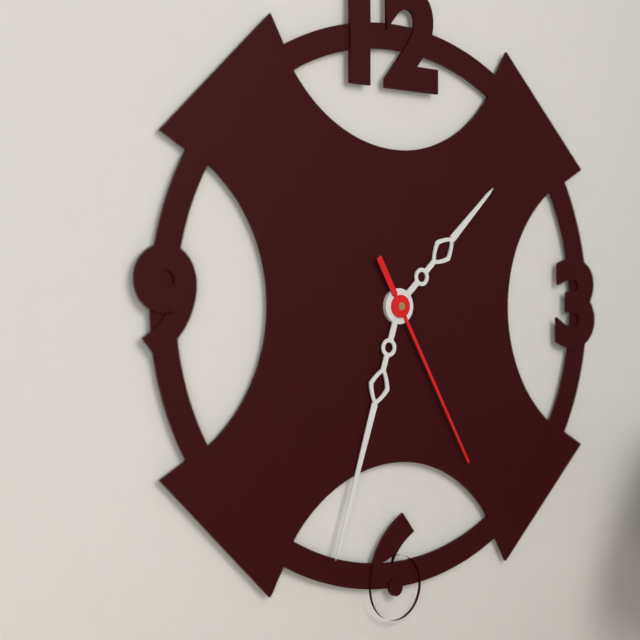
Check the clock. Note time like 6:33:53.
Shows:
1:33:25
